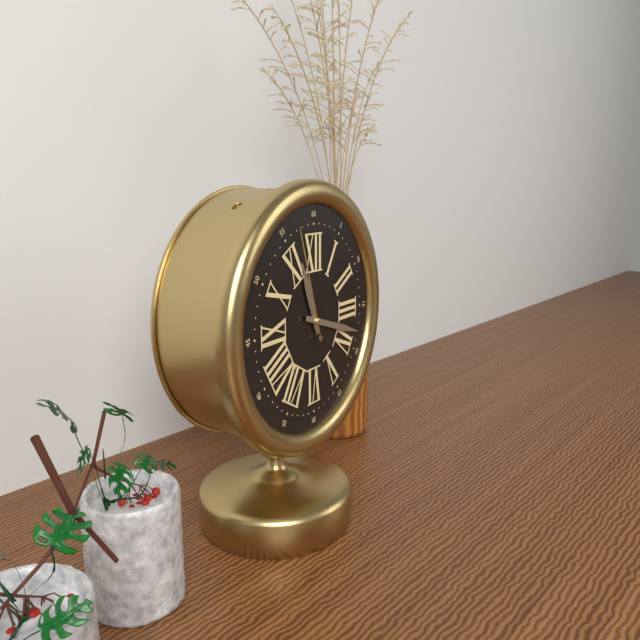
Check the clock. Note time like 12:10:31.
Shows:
11:18:57
